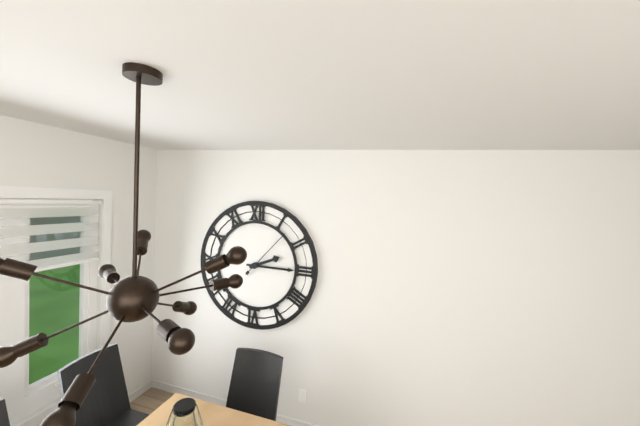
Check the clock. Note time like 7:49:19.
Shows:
2:15:07
